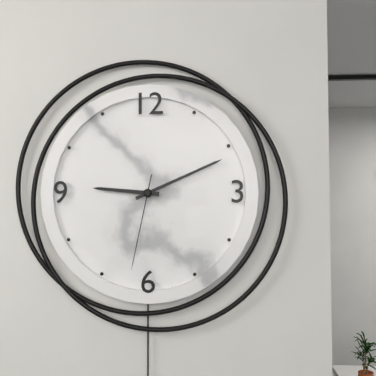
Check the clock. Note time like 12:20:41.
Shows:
9:11:32
